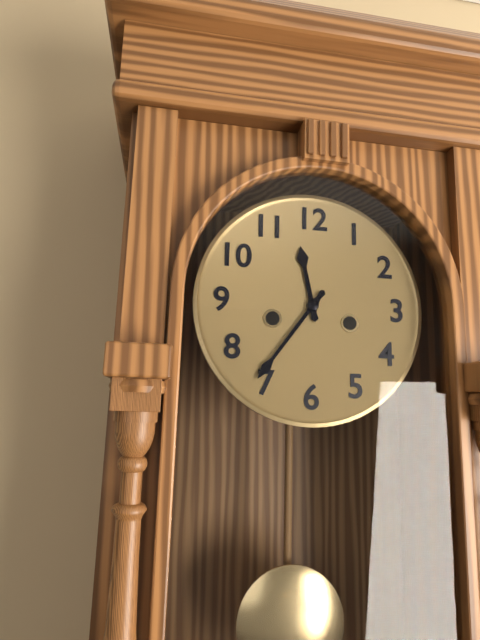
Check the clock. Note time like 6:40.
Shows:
11:36
